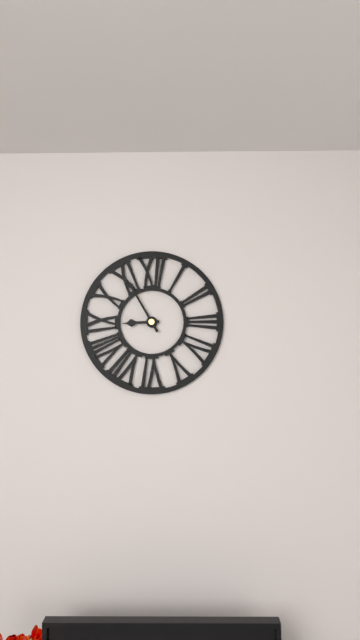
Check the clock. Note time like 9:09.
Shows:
8:55
